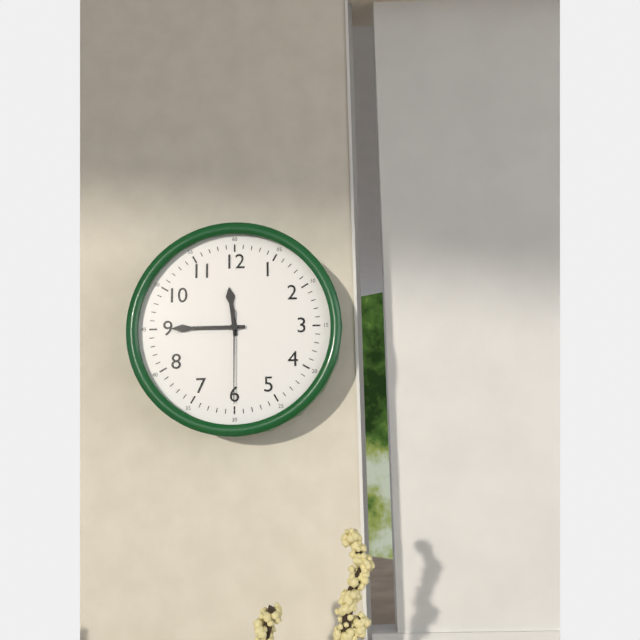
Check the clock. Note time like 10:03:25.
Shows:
11:45:30
